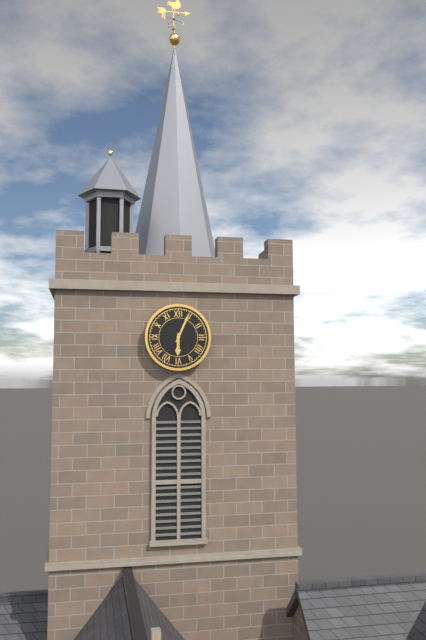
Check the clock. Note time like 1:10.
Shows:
6:04
